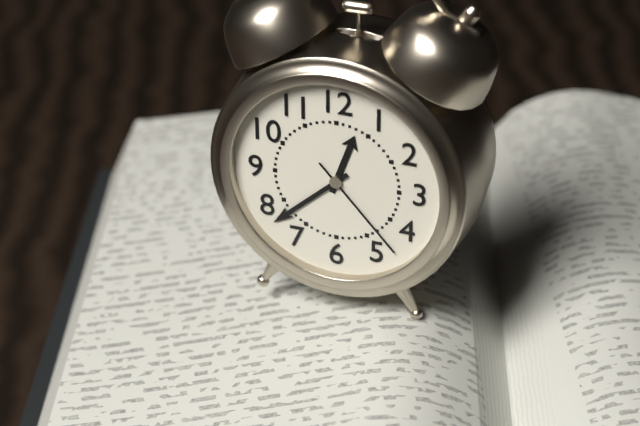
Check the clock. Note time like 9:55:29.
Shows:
12:38:23
